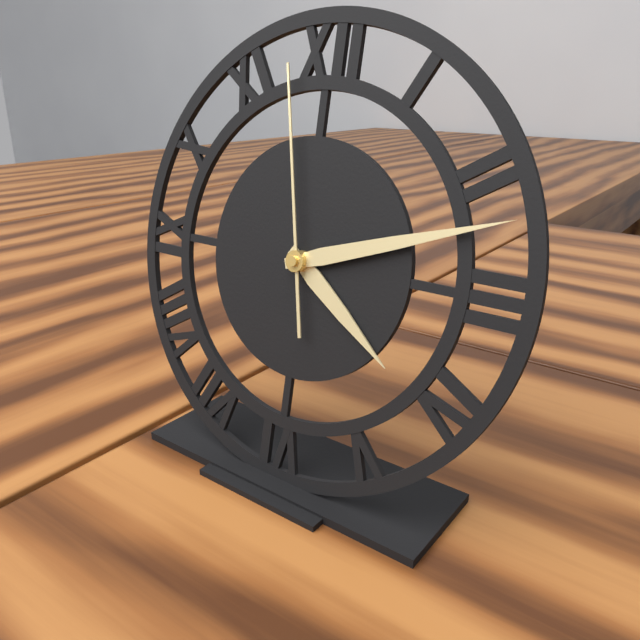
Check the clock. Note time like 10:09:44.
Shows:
4:12:58
